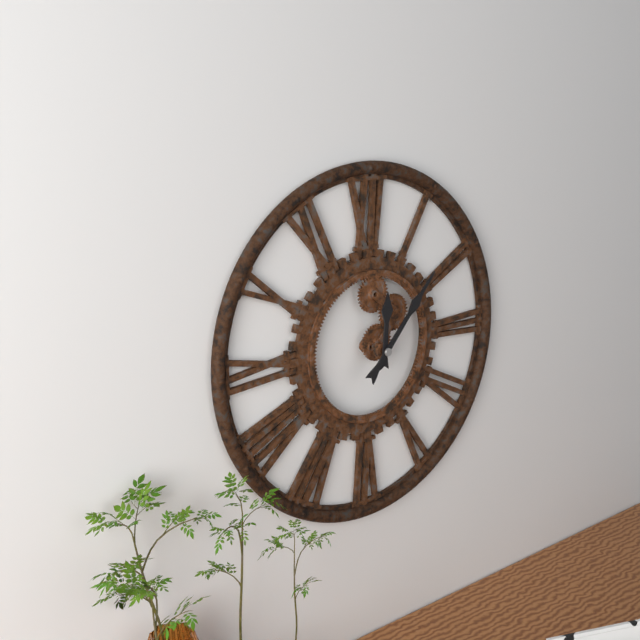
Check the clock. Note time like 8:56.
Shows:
12:07
